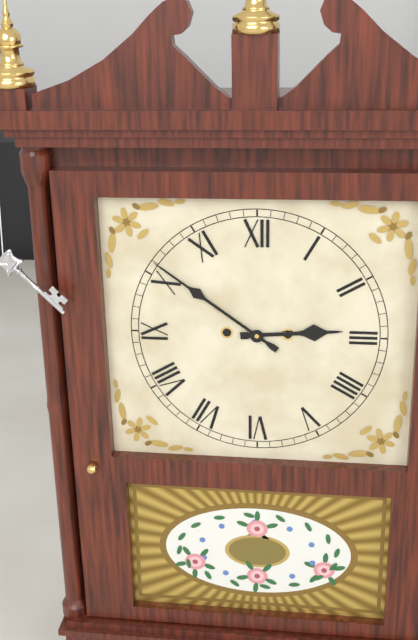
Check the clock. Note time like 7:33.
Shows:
2:51
